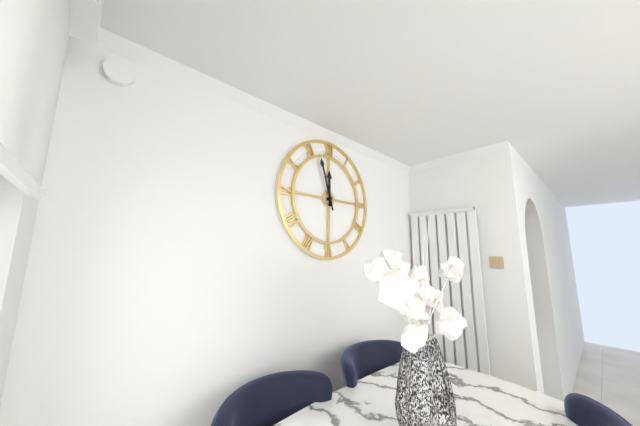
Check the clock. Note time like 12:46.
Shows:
11:57
